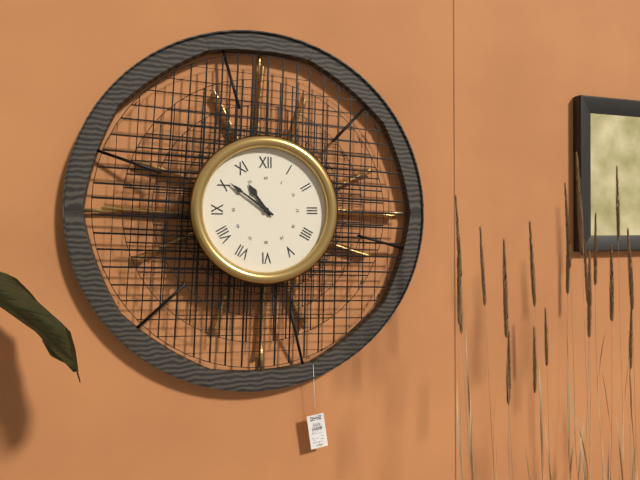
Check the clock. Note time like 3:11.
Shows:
10:51
